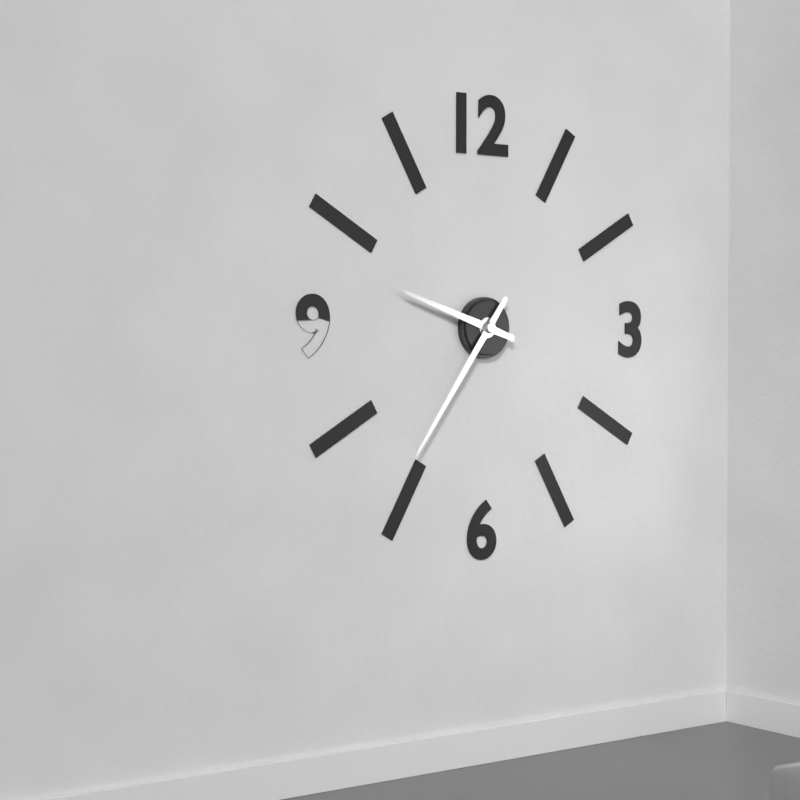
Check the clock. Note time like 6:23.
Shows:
9:36
